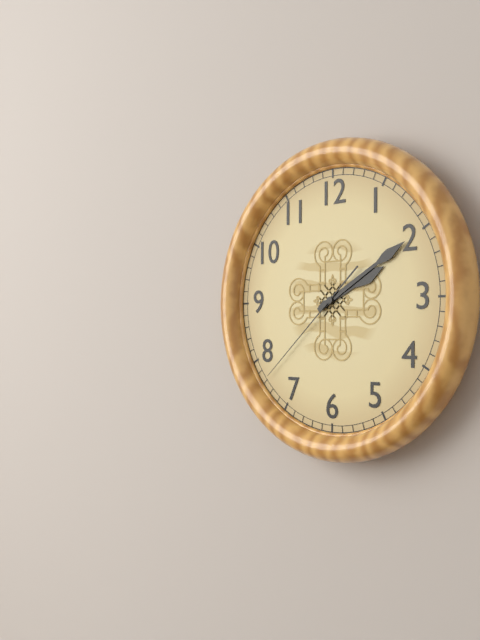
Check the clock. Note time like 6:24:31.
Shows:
2:10:38
